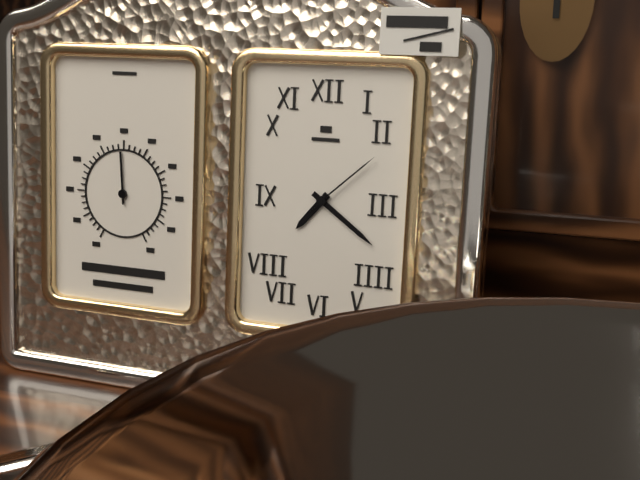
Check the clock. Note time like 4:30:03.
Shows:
7:21:08
